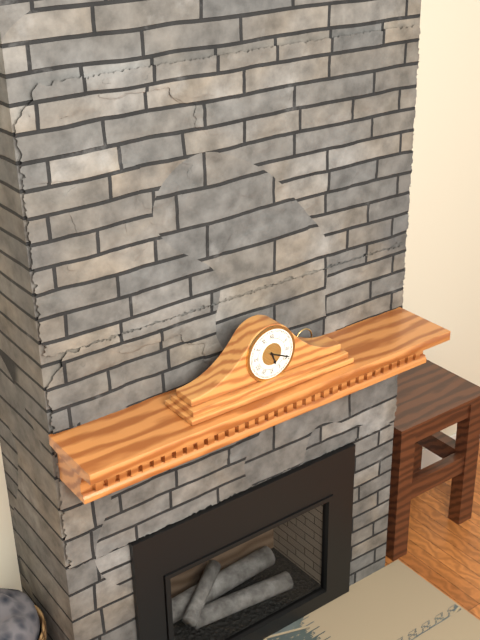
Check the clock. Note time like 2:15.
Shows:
5:19
